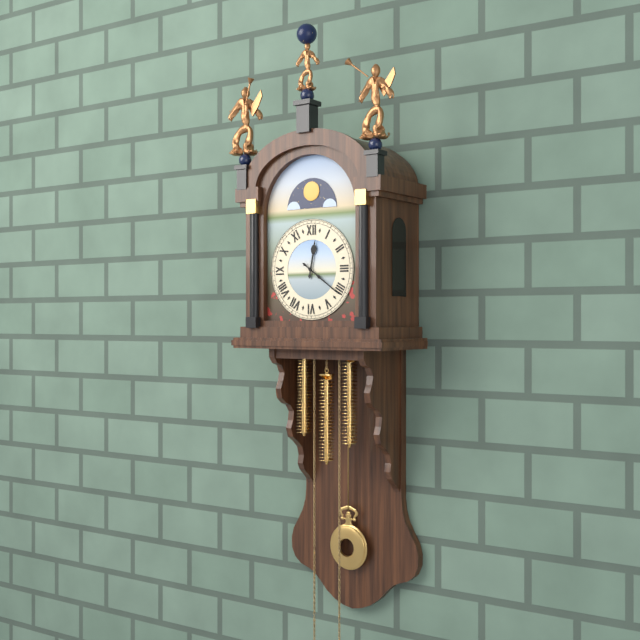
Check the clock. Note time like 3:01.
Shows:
12:21
